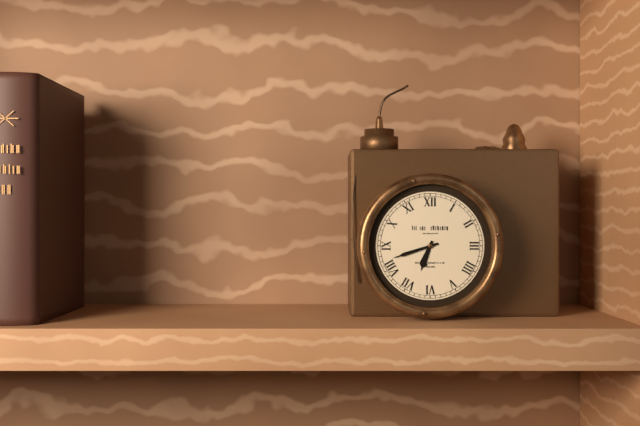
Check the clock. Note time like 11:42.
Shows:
6:42
